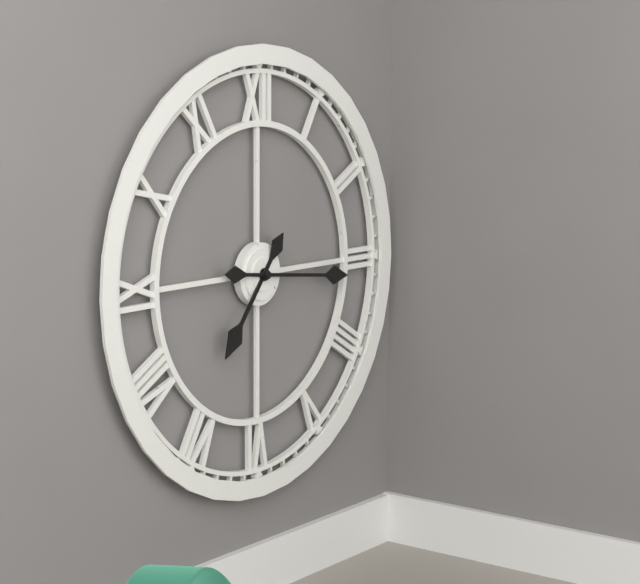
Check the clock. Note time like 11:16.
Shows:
7:16
